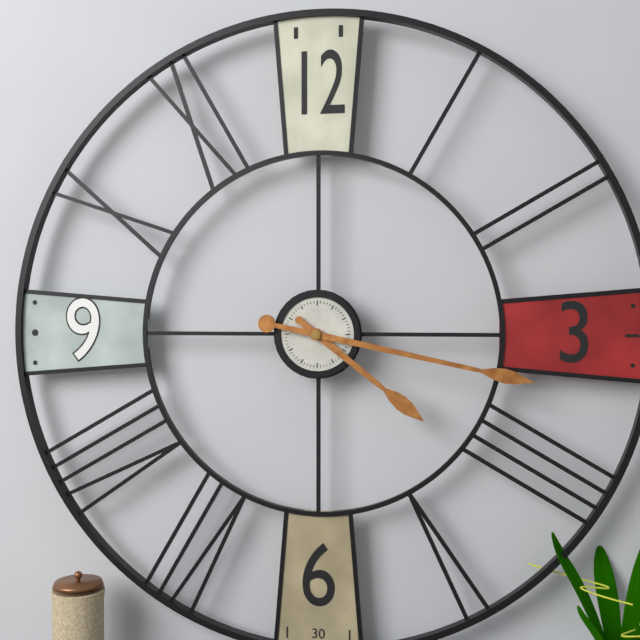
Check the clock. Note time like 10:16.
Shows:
4:17
